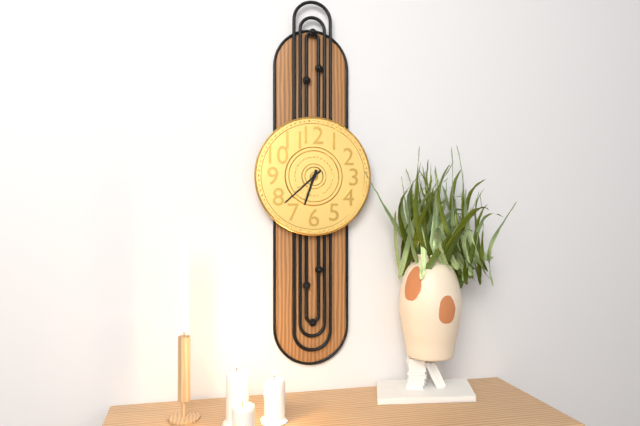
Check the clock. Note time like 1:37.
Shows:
6:38
